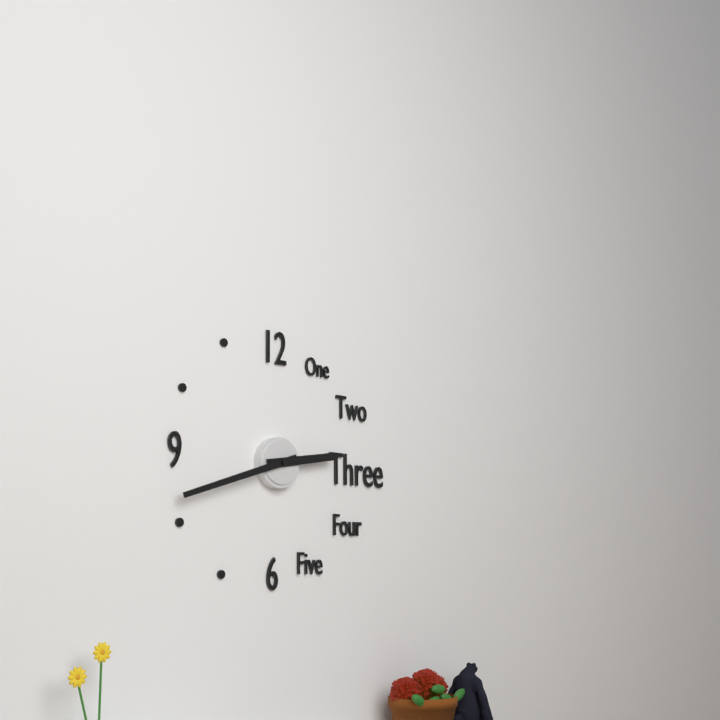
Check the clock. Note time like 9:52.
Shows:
2:42
